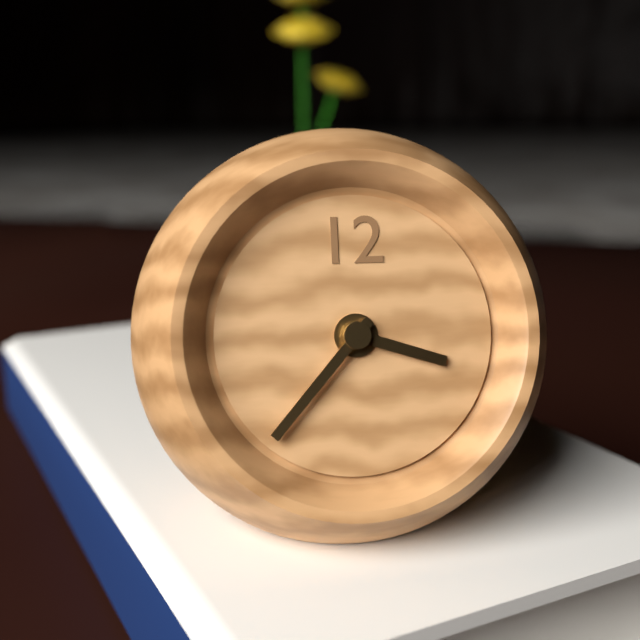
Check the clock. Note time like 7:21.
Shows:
3:37
